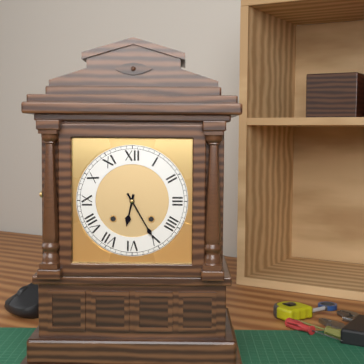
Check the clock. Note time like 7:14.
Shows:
6:25
